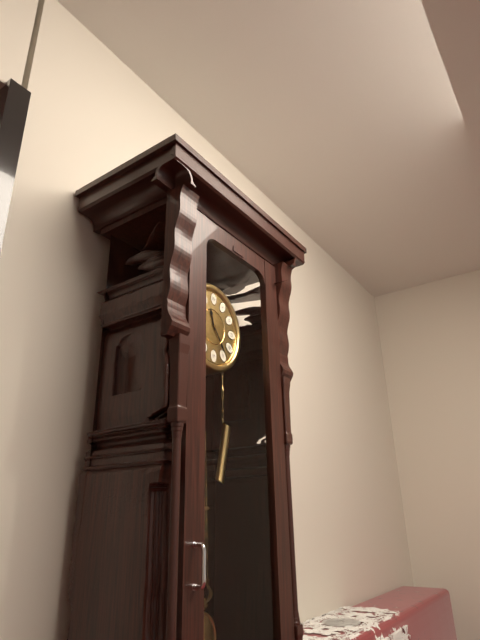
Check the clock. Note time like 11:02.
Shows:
11:24
